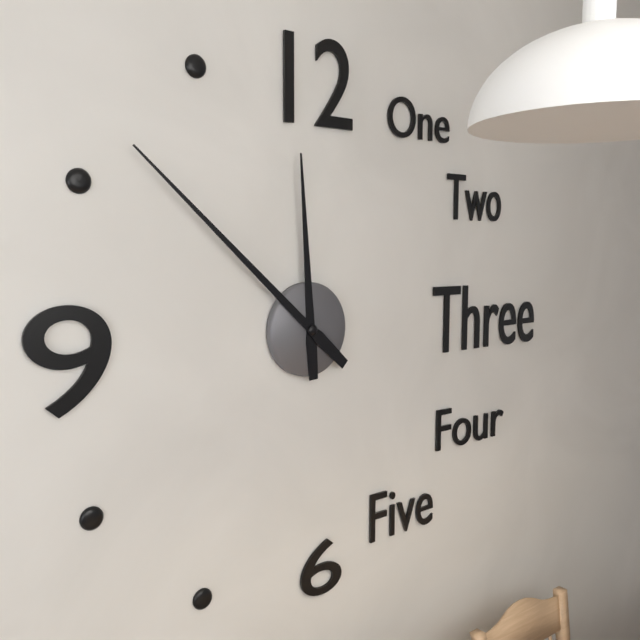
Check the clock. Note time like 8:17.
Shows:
11:52
